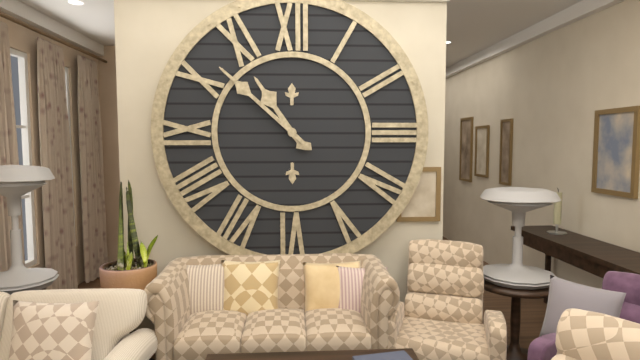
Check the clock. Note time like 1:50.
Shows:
10:52
